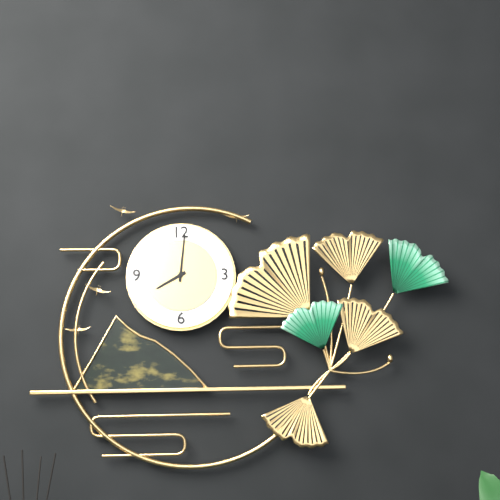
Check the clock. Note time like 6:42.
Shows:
8:01
